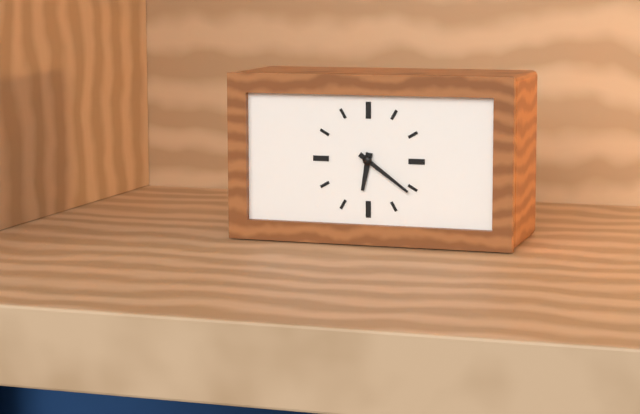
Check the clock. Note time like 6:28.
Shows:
6:21
